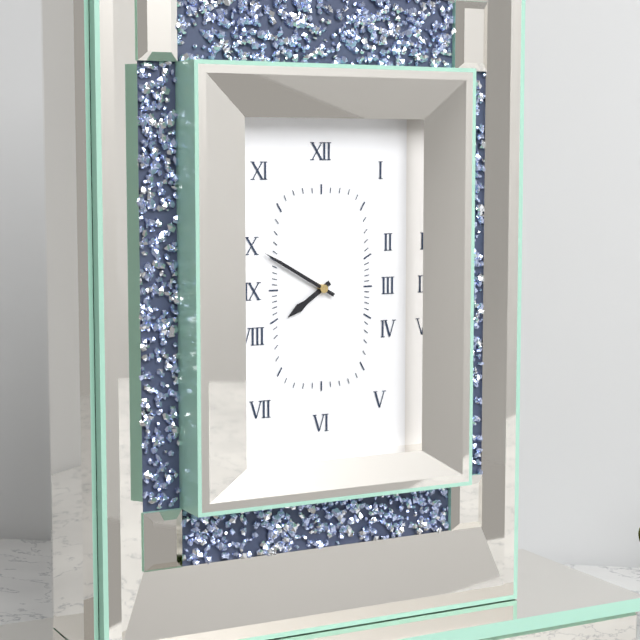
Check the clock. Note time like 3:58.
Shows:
7:50
